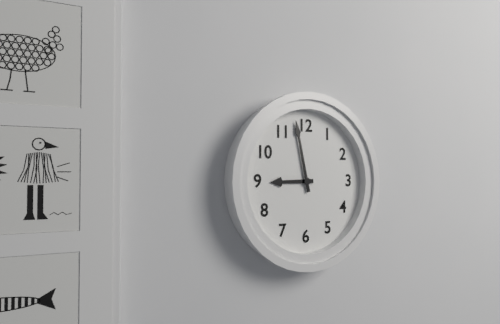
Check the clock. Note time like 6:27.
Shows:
8:58
